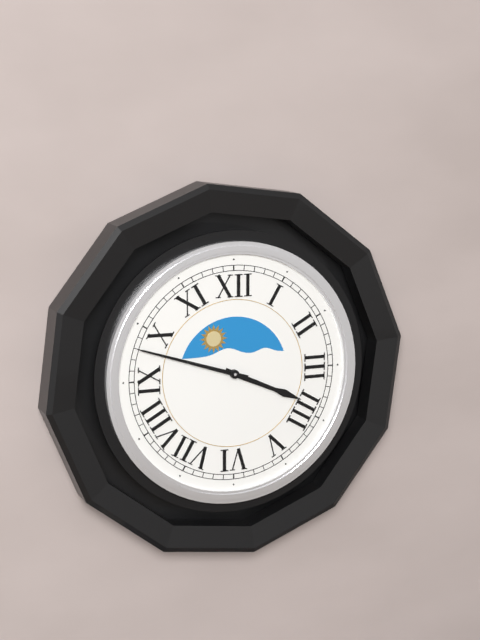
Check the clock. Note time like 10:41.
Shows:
3:48
